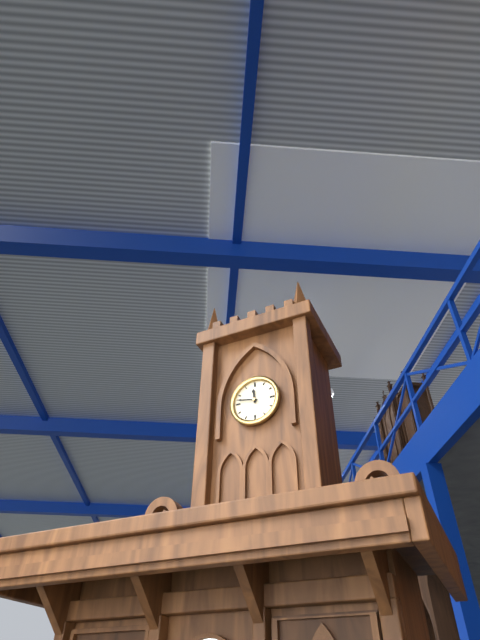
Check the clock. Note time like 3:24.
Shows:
11:47
